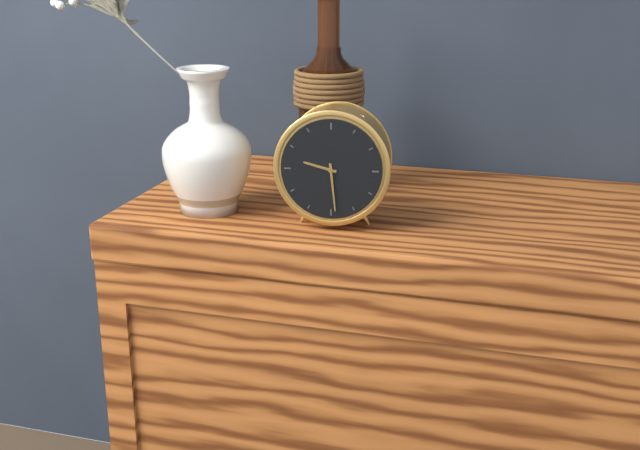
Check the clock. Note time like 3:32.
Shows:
9:29
